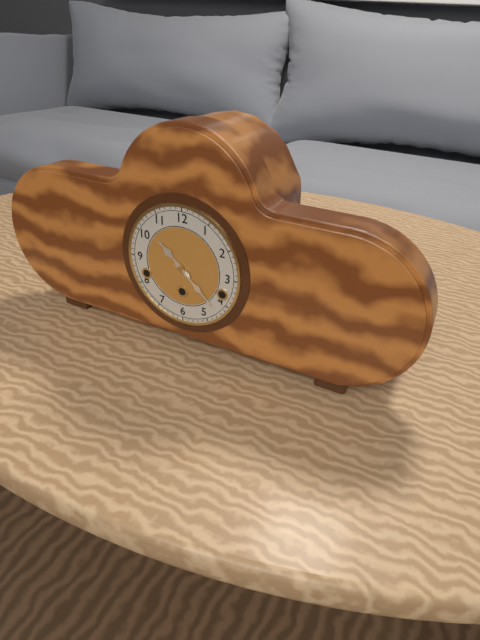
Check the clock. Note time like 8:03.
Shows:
10:22
